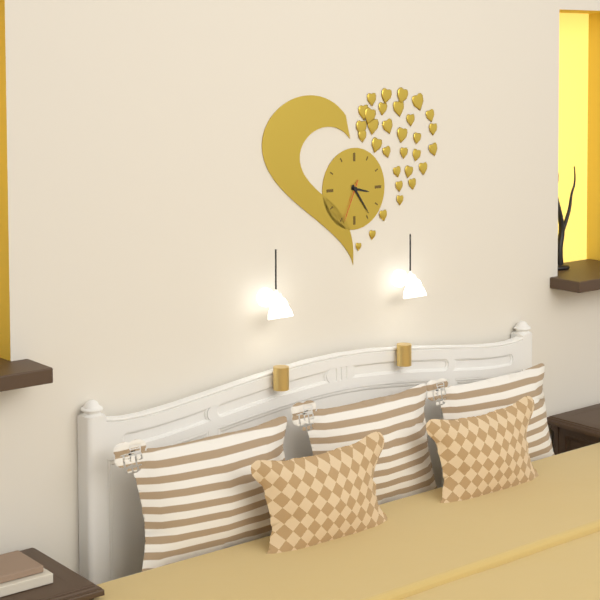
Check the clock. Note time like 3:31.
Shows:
3:24
